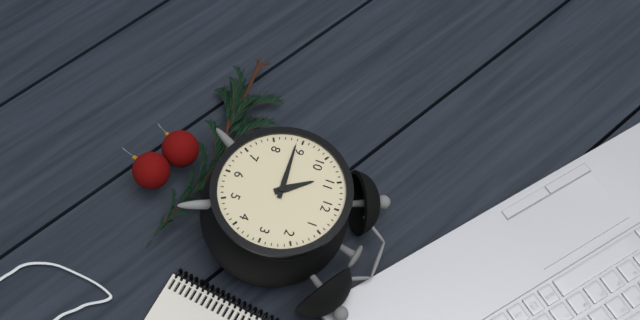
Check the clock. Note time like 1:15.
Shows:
10:44
